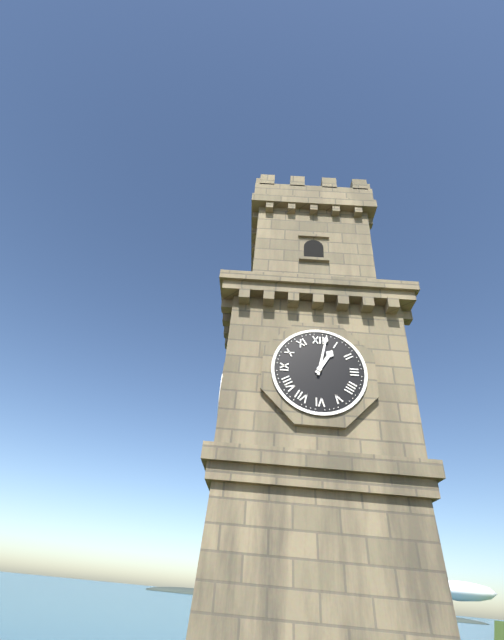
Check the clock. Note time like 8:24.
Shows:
1:02
